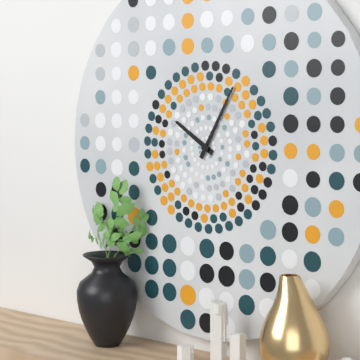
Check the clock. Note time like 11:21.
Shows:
10:05
